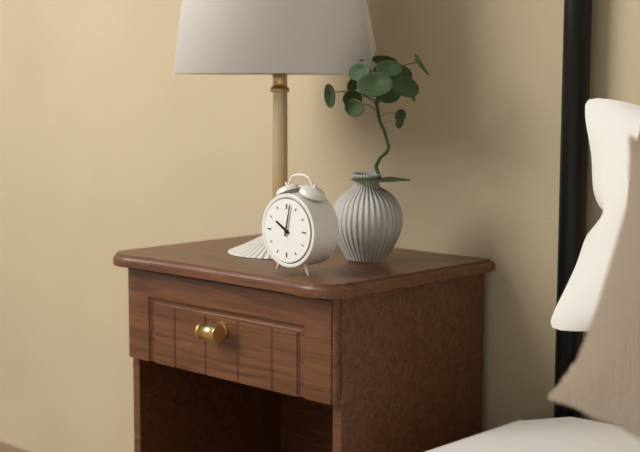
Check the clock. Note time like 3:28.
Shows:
10:02
